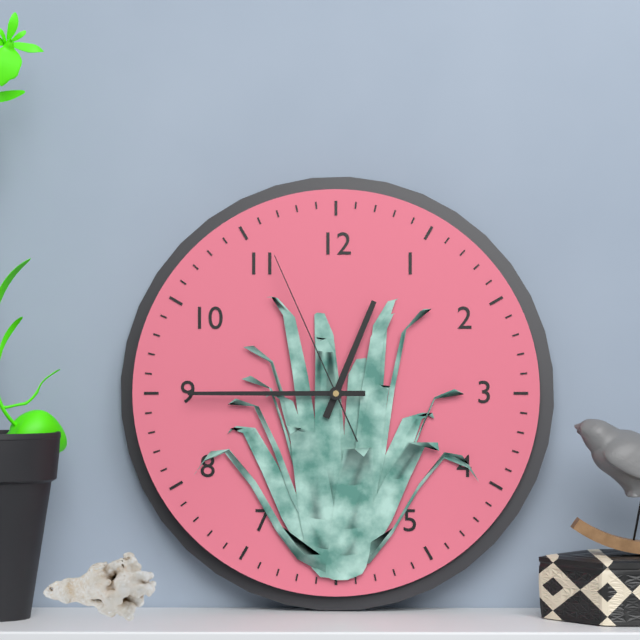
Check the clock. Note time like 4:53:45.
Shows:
12:45:56
